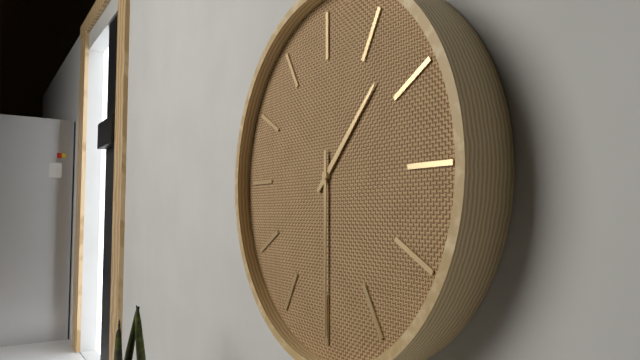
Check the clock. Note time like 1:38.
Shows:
1:30
